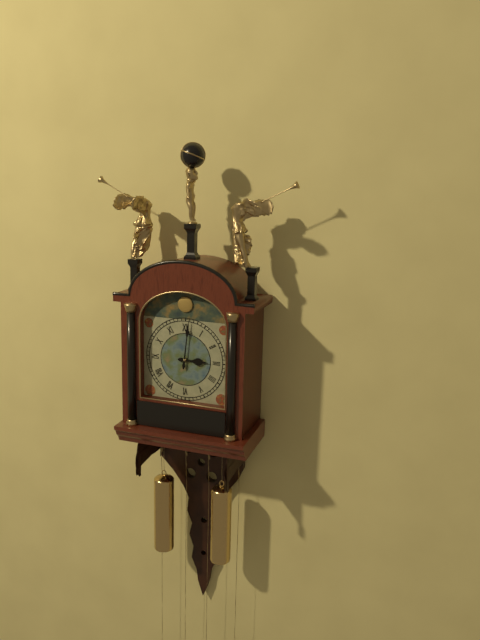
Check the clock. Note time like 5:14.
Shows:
3:01
